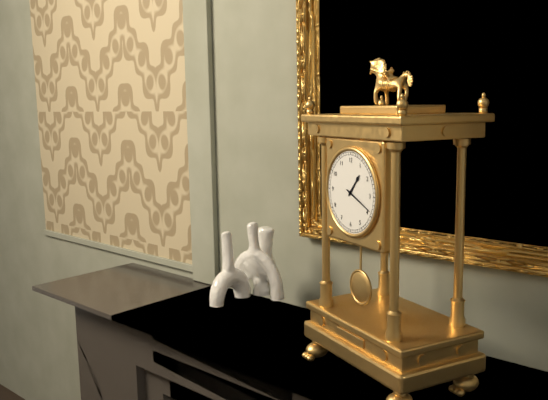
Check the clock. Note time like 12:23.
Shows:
1:19
